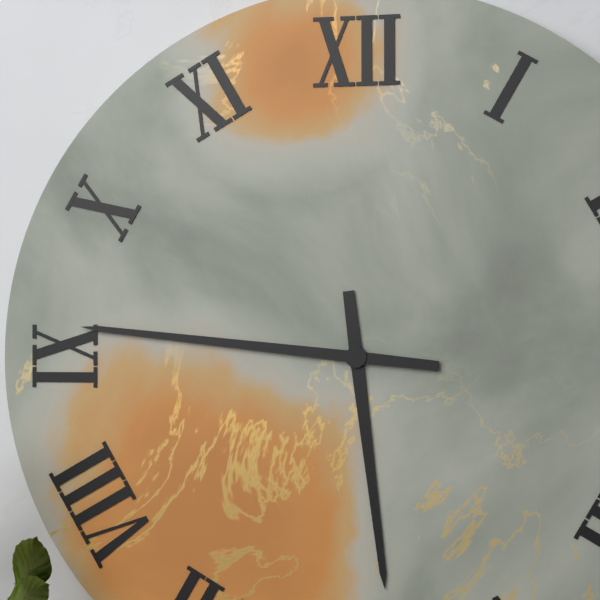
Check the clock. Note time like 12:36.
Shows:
5:46
